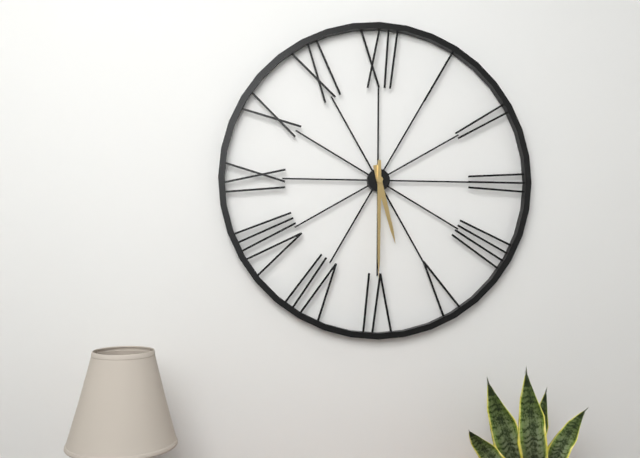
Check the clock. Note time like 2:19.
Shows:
5:30
